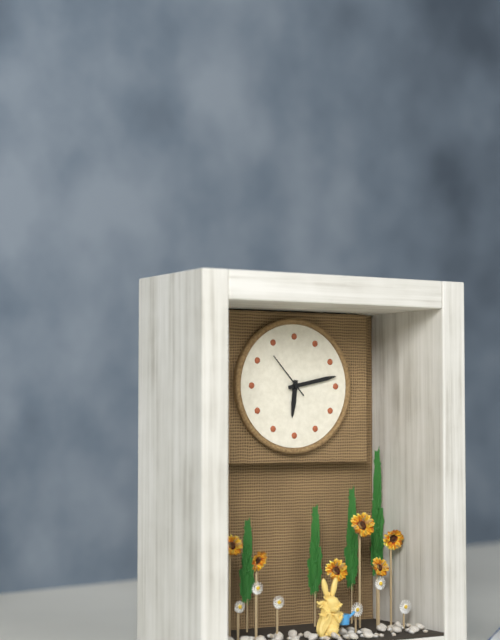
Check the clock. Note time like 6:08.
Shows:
6:13
